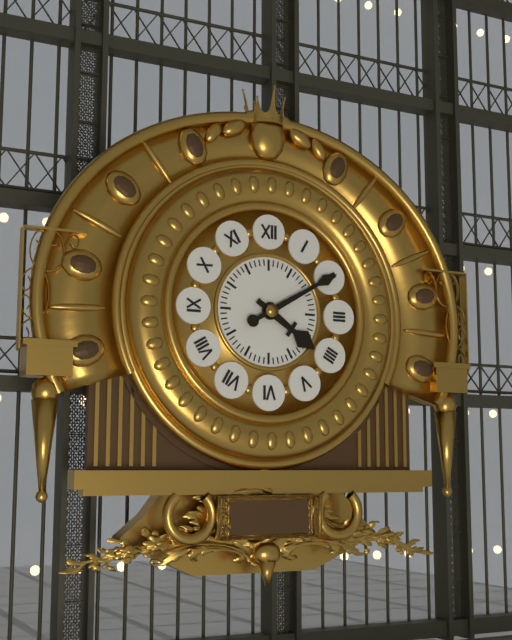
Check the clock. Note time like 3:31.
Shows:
4:10
